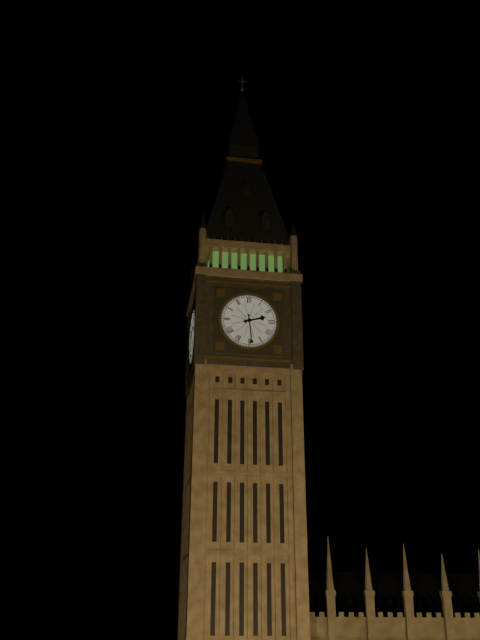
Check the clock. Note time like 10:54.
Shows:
2:29
